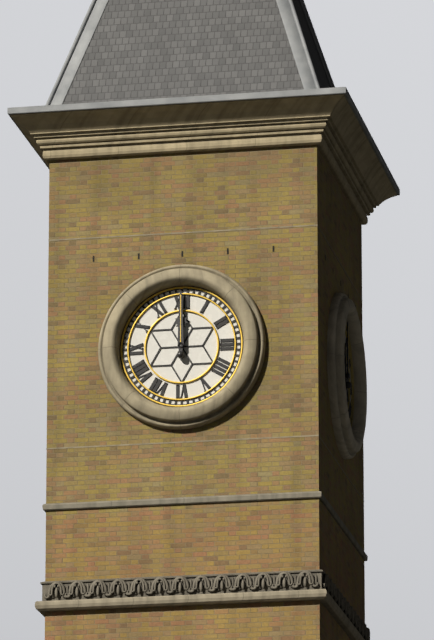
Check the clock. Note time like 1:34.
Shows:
12:00
